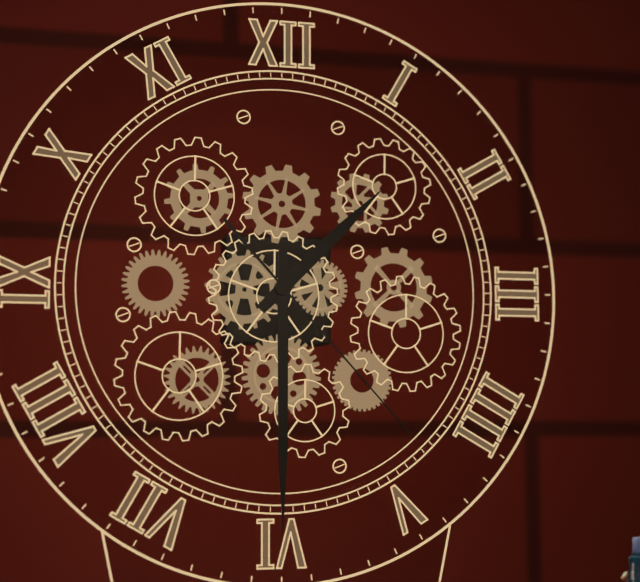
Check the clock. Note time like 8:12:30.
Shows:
1:30:23
